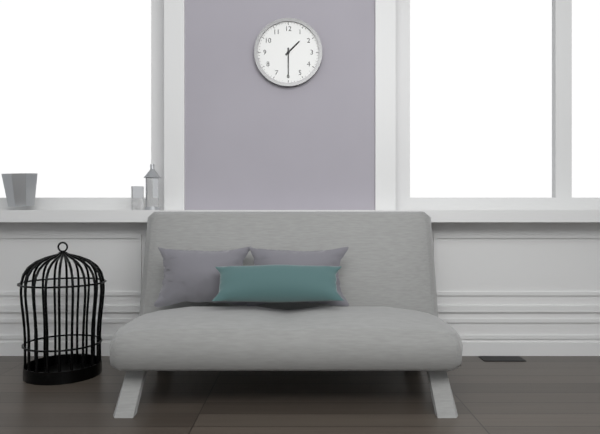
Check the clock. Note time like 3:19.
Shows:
1:30
